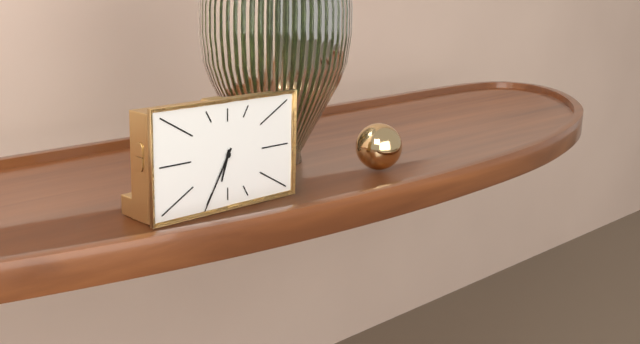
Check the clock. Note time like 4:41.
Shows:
6:35
